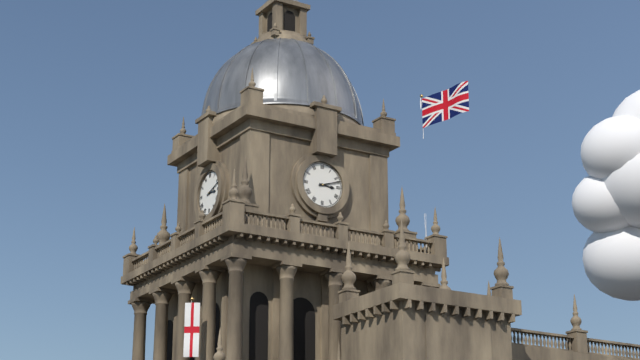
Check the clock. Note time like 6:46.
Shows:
3:12
